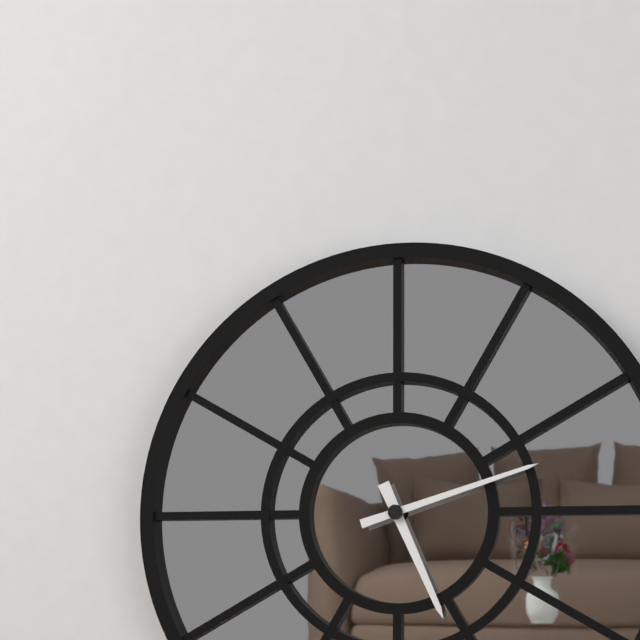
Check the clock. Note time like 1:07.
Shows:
5:12
